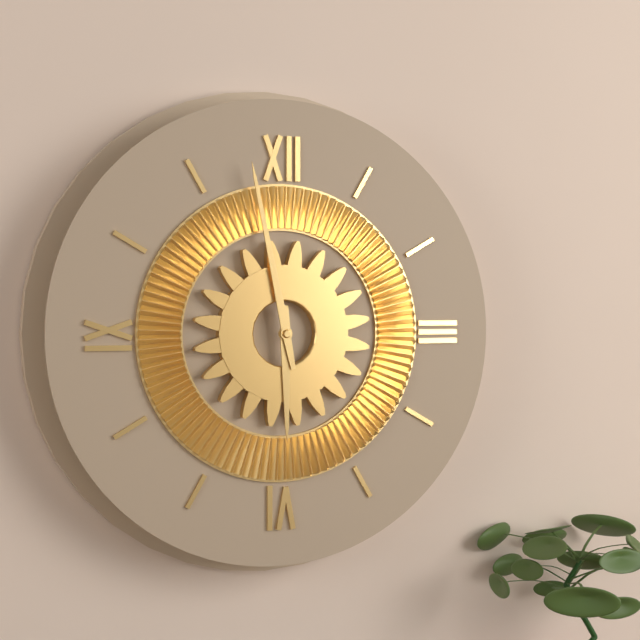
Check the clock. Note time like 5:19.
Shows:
5:58
